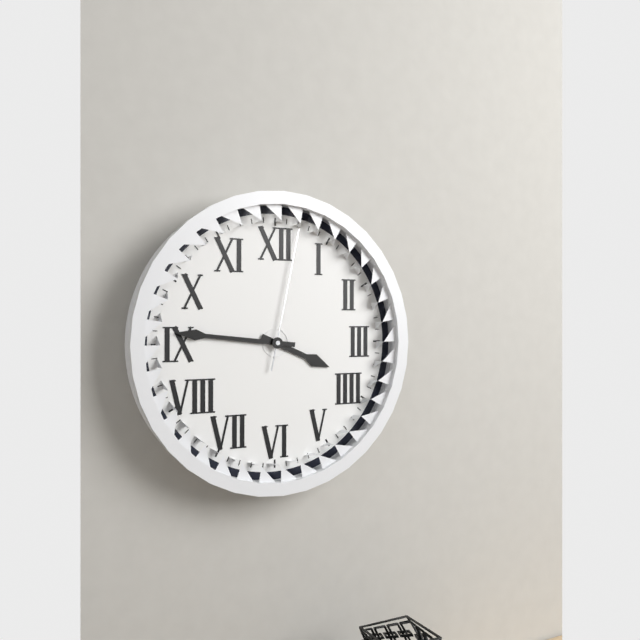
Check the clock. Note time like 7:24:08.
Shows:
3:46:02
